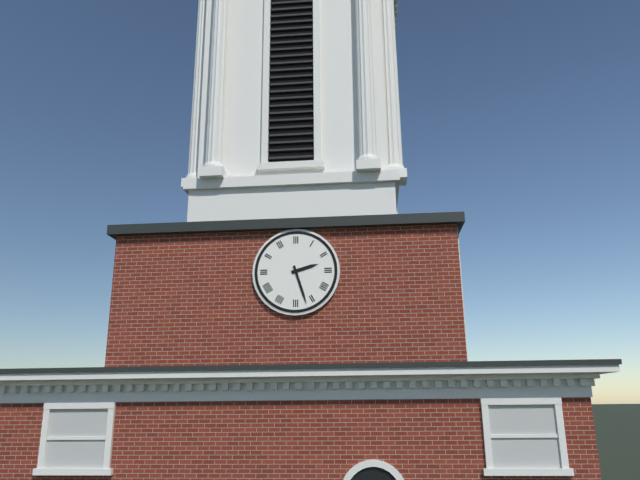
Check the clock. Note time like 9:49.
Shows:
2:27
